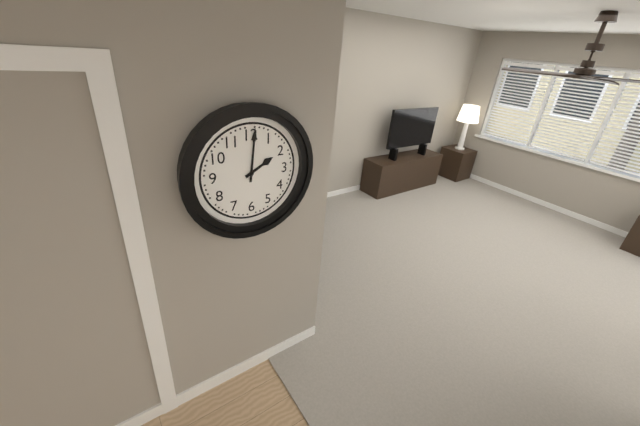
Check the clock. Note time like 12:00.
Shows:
2:01
